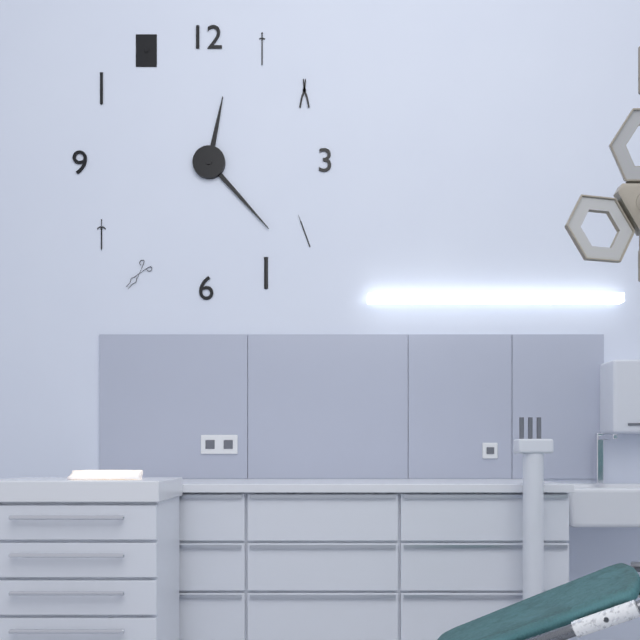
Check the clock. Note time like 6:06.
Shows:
12:23
